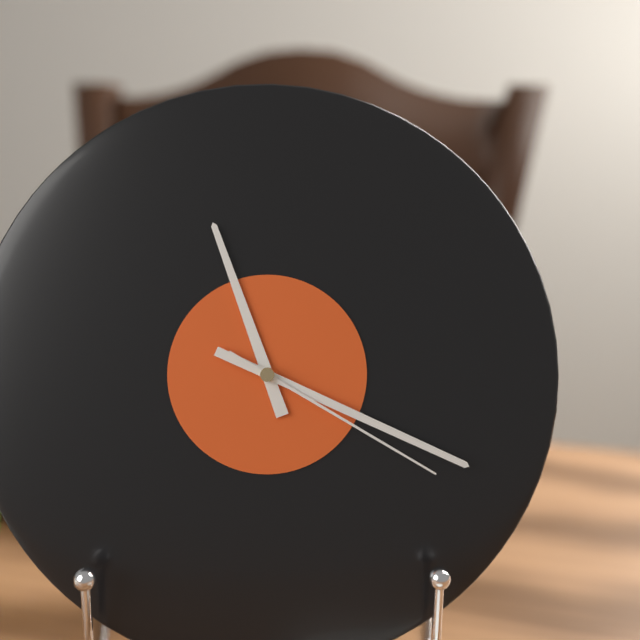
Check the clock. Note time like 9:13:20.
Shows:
11:19:20
